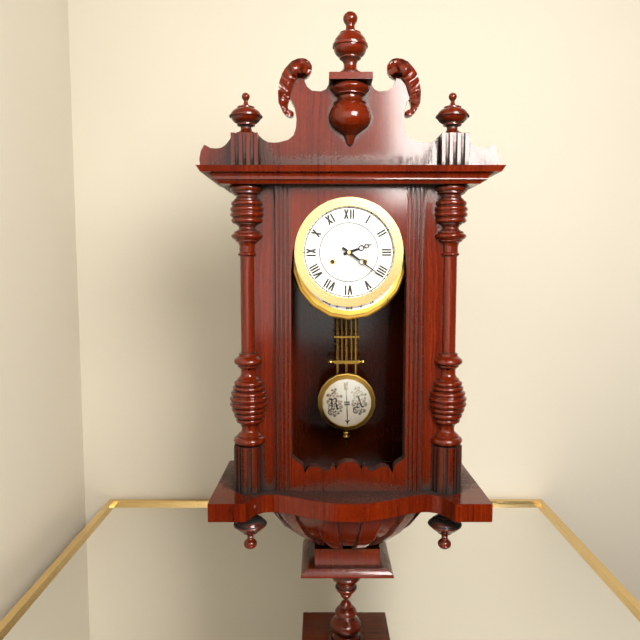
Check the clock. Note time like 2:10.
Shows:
2:21
